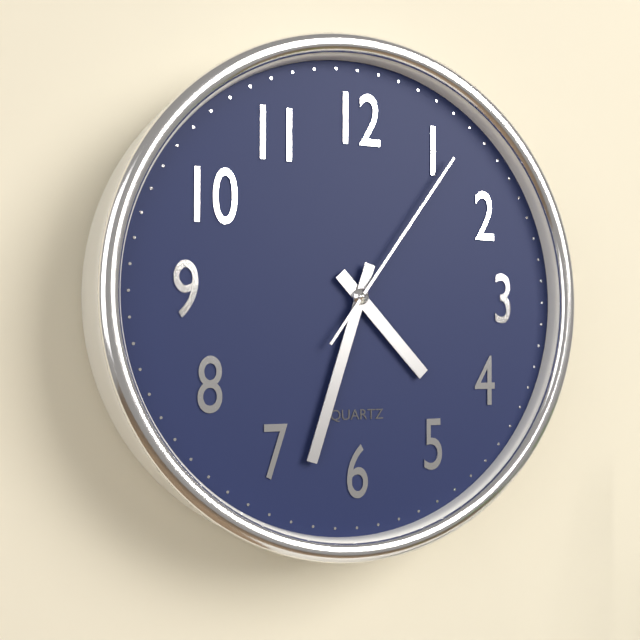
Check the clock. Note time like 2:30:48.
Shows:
4:33:06
